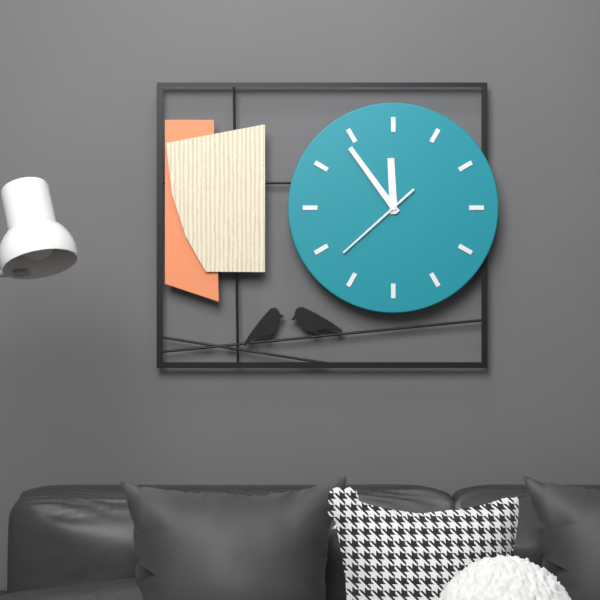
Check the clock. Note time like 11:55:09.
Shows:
11:54:38
